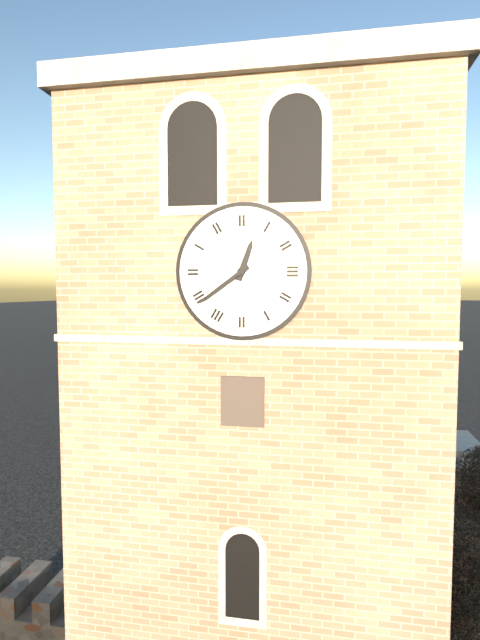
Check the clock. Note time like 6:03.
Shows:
12:39
